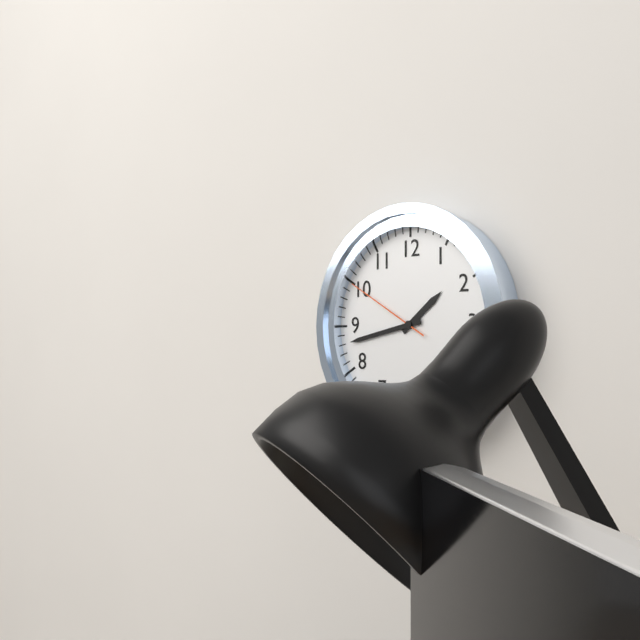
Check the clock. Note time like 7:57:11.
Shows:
1:43:50
